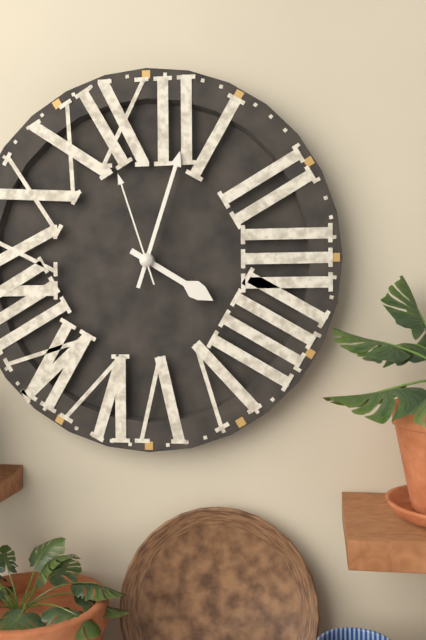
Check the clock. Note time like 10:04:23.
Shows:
4:03:57
